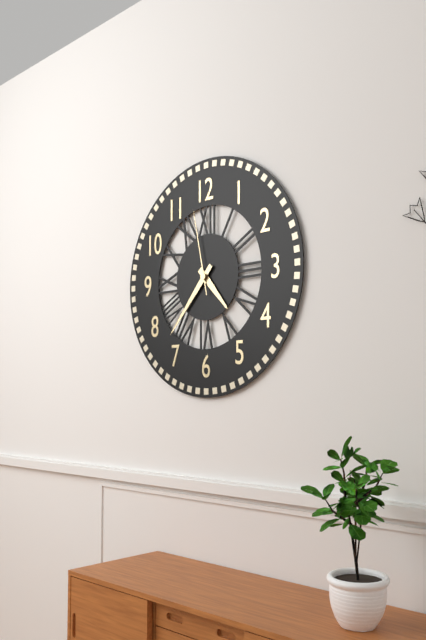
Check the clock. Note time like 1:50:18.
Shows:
4:37:58
